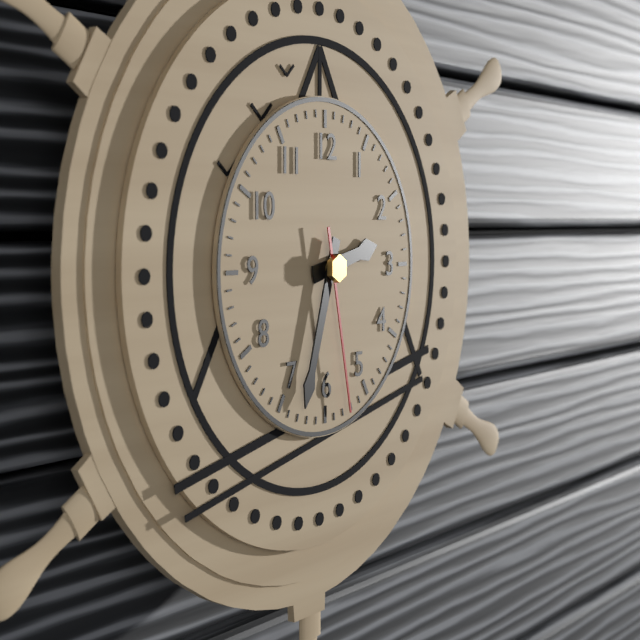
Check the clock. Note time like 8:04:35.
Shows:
2:33:28
